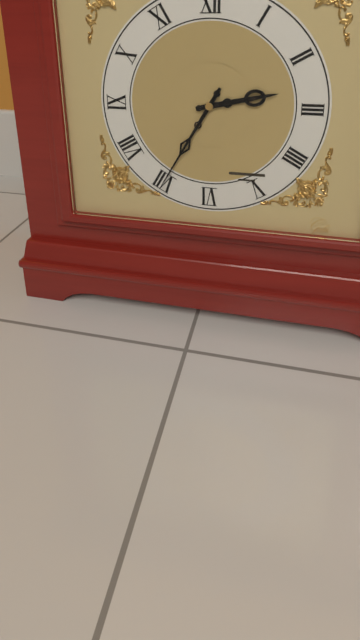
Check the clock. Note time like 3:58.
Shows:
2:35
